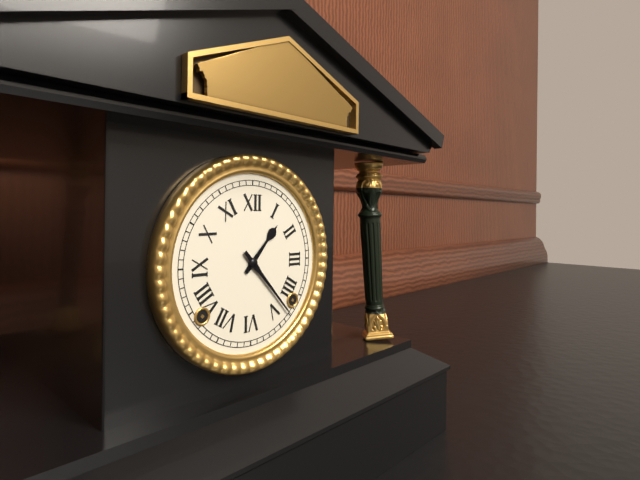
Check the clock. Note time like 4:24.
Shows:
1:23
